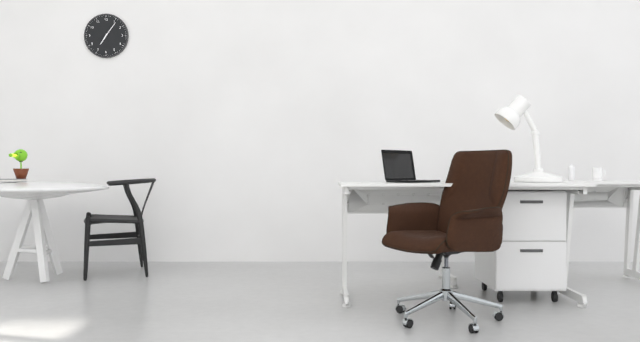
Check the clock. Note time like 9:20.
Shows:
7:06
